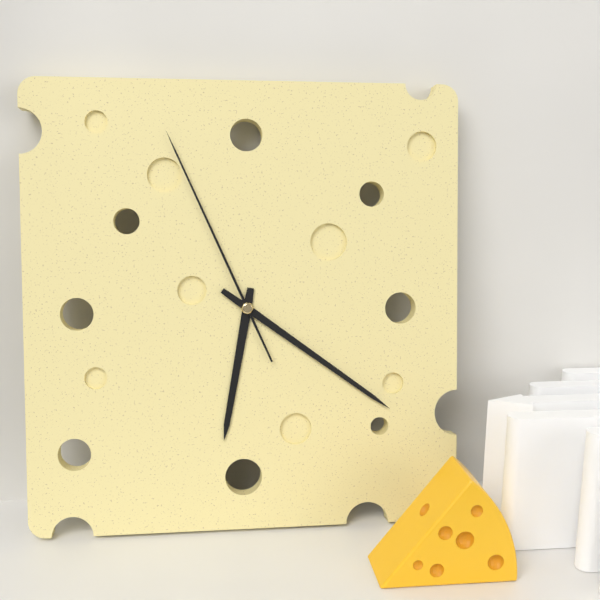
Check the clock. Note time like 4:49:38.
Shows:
6:21:56
